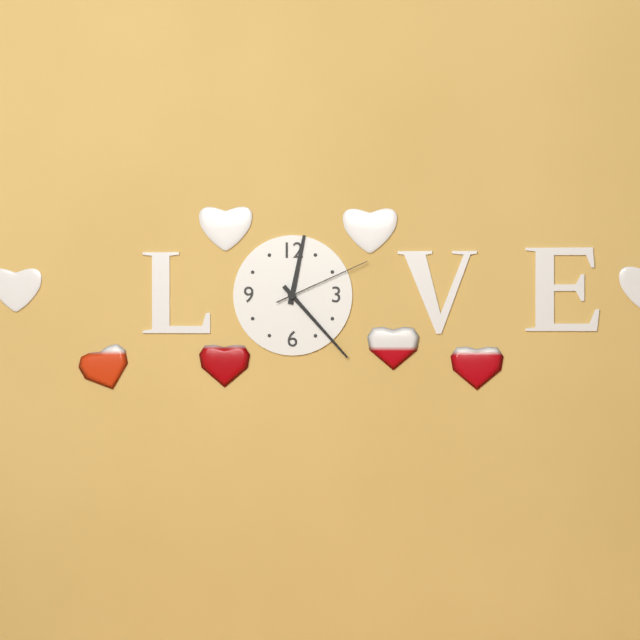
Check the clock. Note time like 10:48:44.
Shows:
12:23:11
